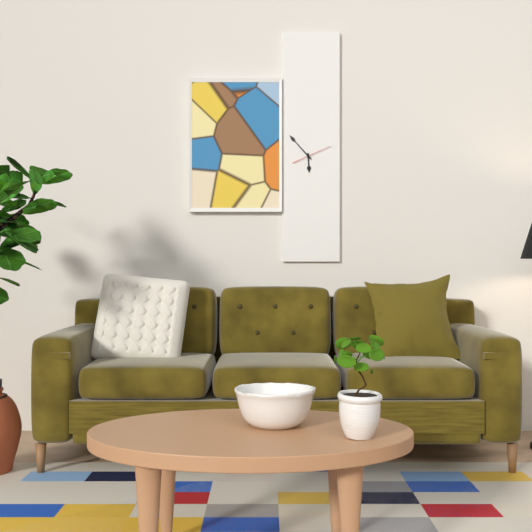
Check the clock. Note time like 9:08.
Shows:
5:53
